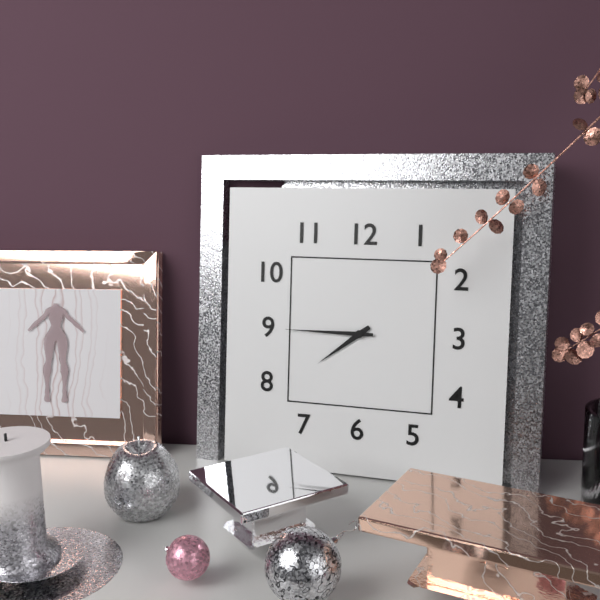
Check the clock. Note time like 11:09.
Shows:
7:45
